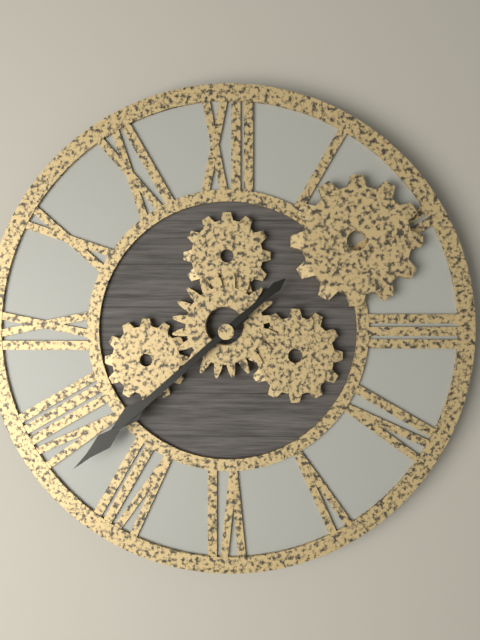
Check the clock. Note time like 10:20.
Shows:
7:38
